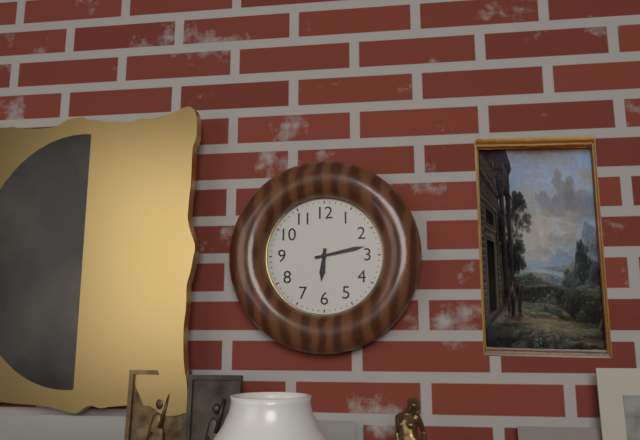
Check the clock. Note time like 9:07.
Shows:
6:13
